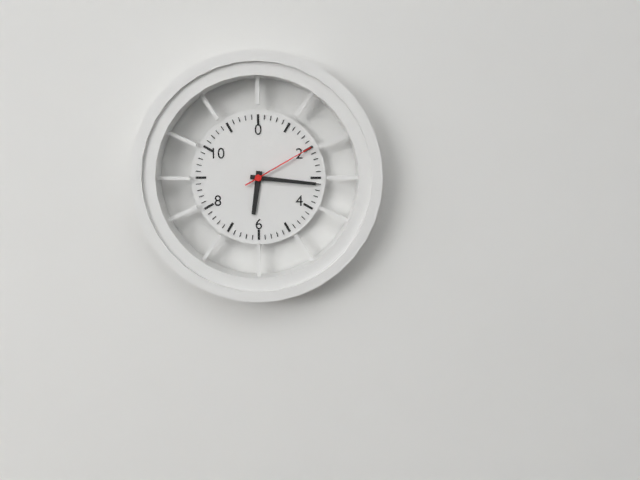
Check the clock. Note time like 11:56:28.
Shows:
6:16:10
